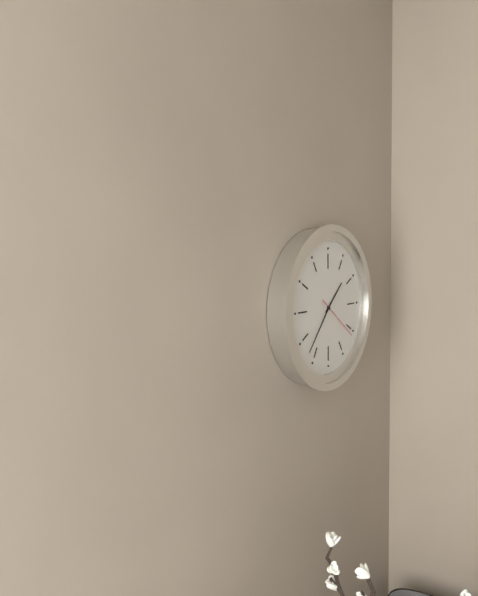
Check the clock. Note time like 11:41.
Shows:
1:37
